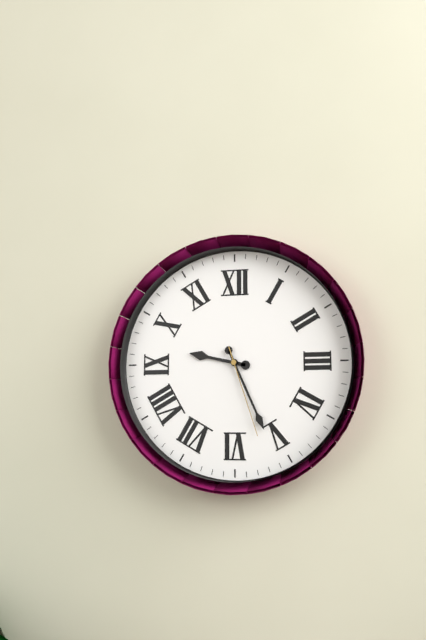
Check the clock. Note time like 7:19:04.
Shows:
9:26:27
